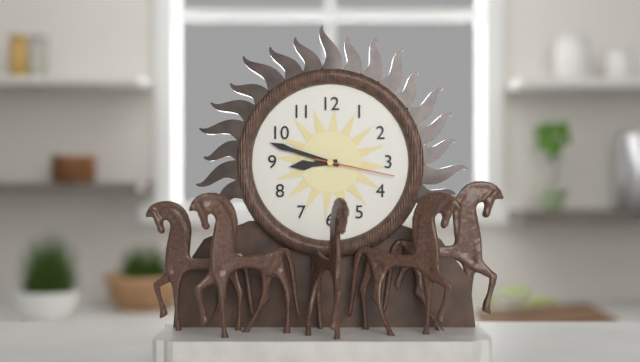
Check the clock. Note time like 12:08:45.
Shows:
8:48:17
